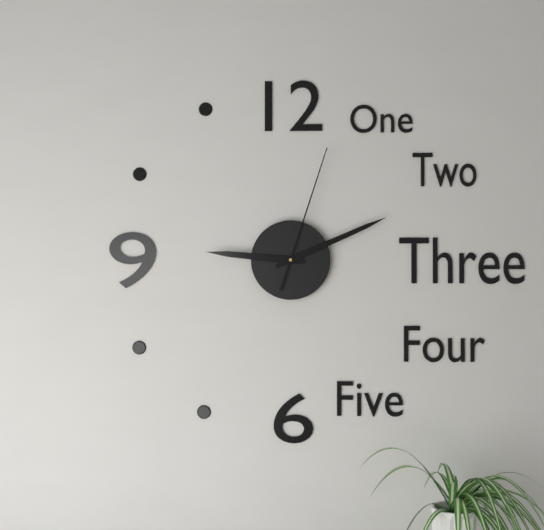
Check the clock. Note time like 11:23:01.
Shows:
9:11:03
